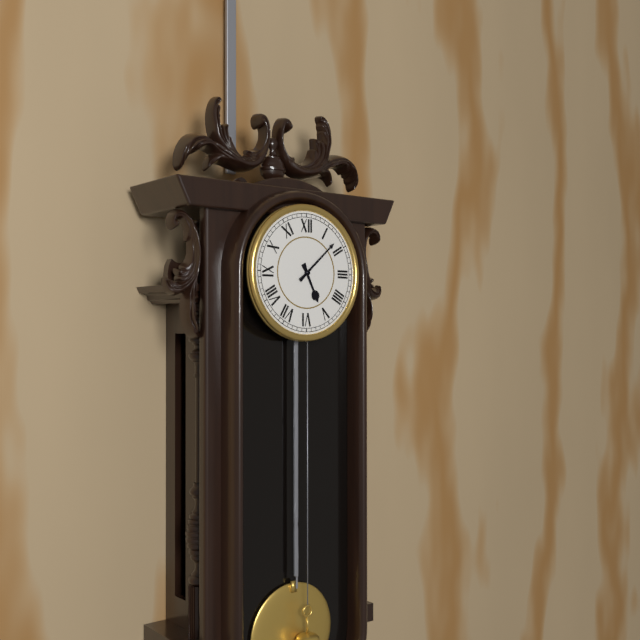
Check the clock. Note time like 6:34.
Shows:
5:08
